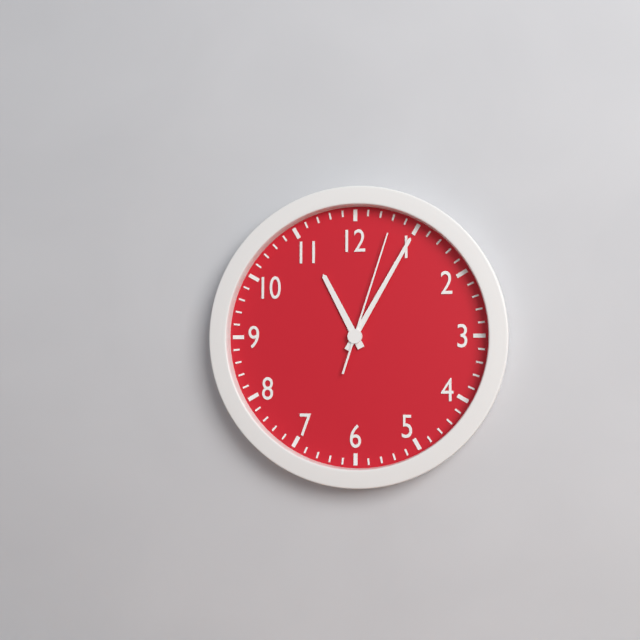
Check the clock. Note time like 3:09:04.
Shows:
11:05:03
